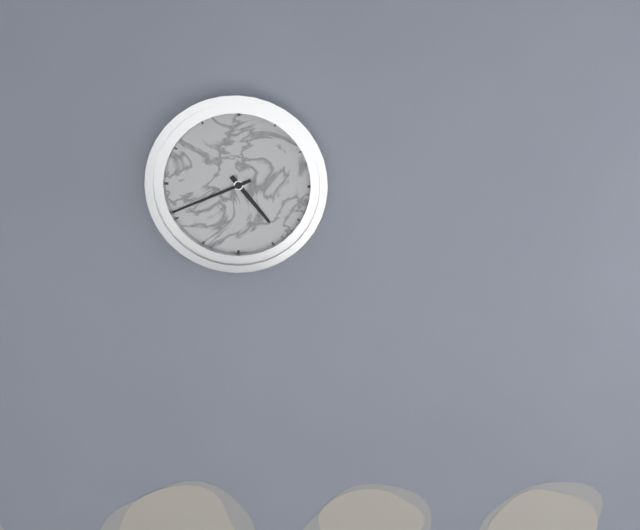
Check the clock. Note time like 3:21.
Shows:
4:41
